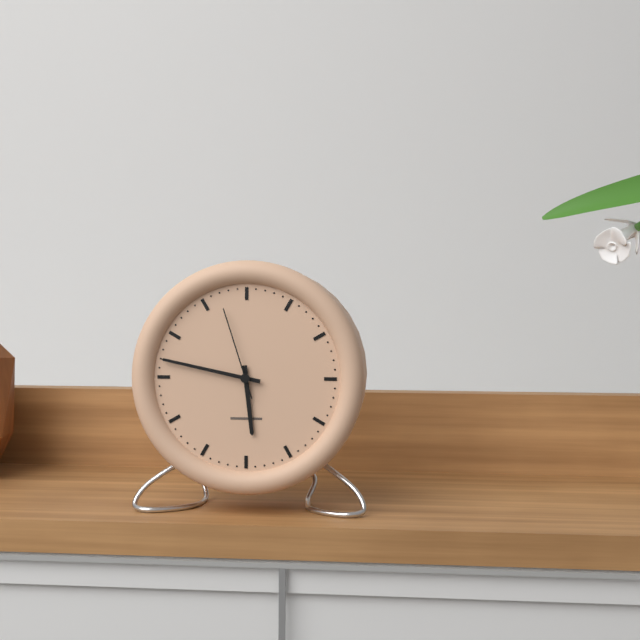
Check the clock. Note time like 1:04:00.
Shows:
5:47:57
